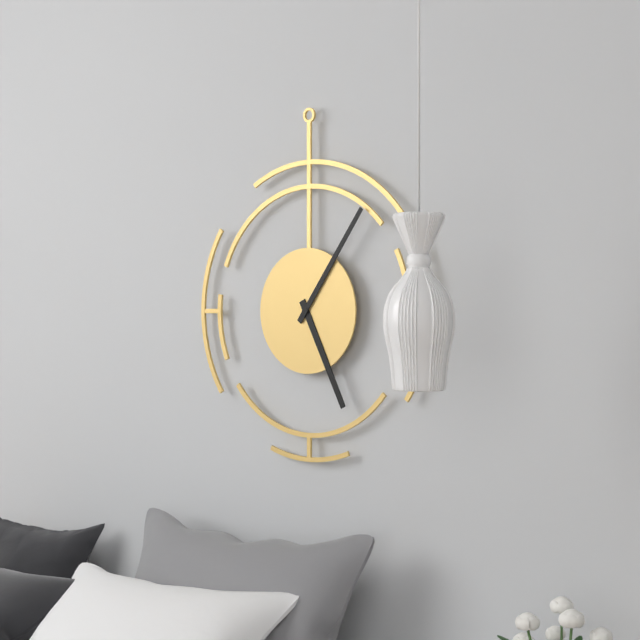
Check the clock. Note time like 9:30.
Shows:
5:06
